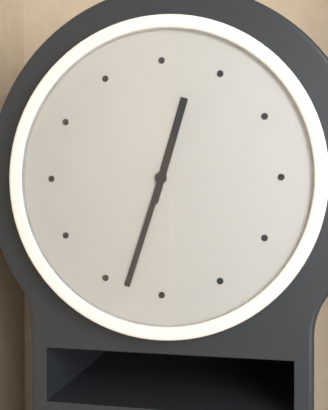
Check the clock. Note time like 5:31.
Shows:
12:33
